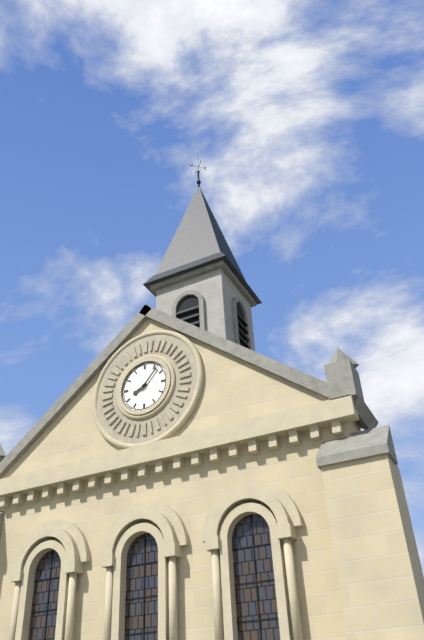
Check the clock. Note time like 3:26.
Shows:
8:07
